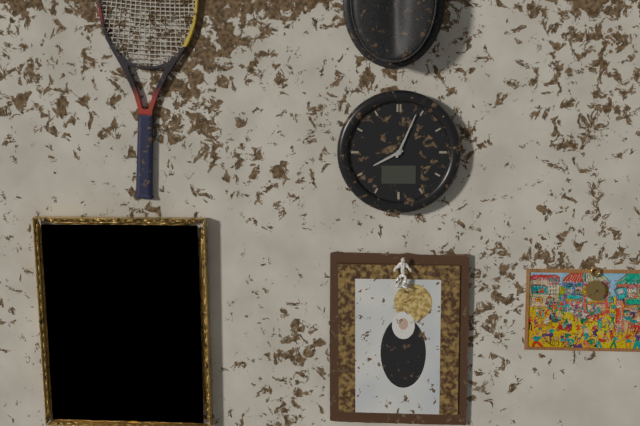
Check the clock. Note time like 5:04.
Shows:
8:04
